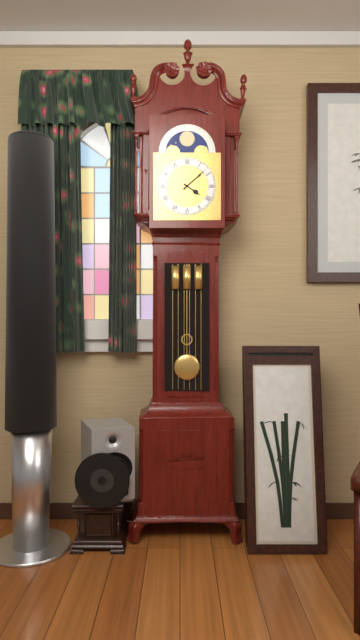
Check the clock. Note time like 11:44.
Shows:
4:08
